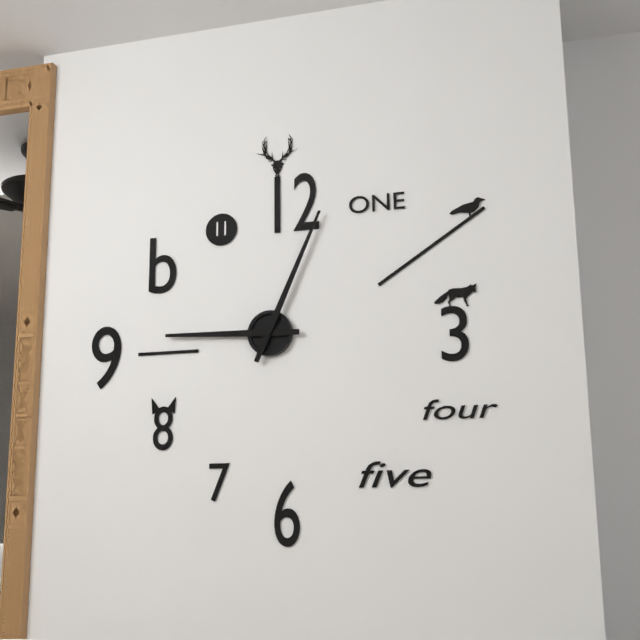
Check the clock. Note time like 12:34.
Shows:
9:04
